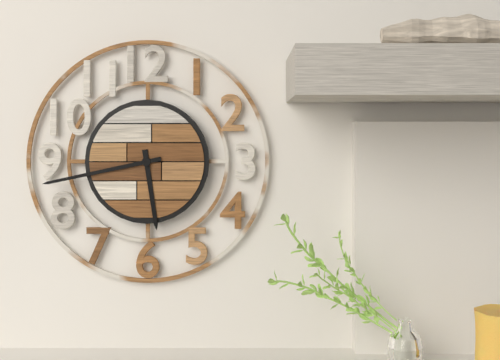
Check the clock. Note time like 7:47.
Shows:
5:43
